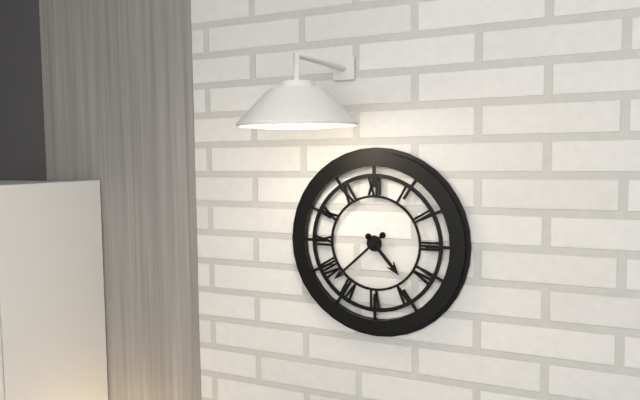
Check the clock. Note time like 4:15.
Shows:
4:38
